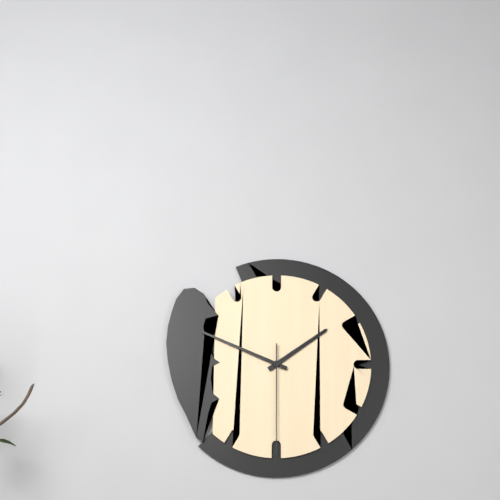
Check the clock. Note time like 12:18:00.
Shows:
1:49:30
